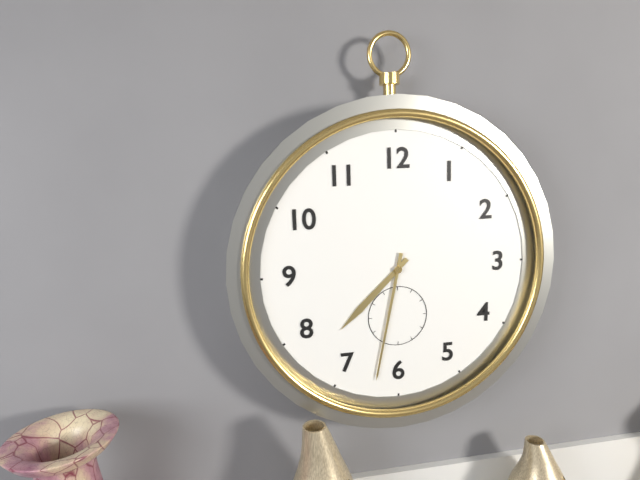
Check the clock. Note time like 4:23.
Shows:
7:32
